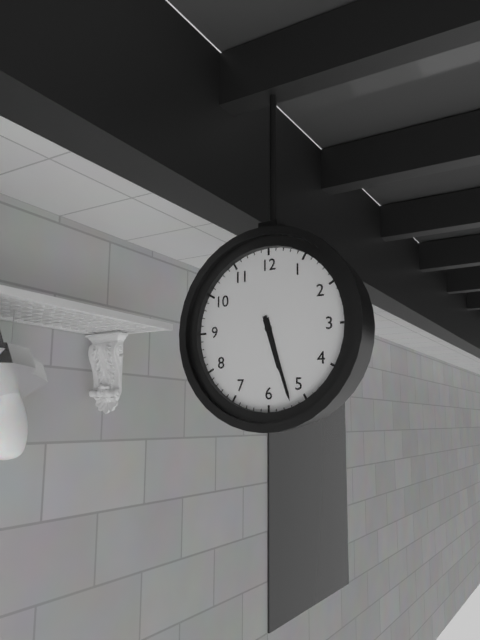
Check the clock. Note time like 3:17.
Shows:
5:27
